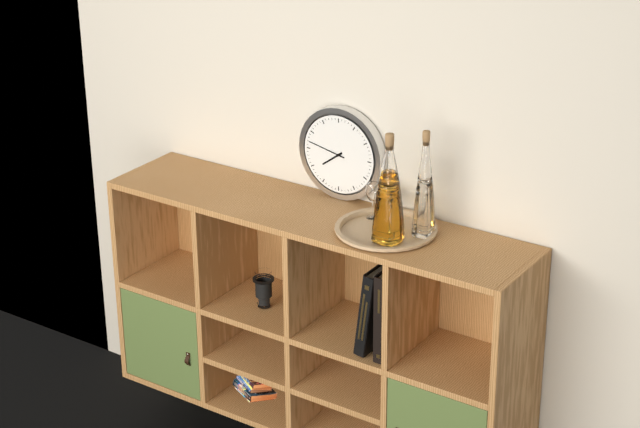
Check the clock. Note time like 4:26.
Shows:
7:47
